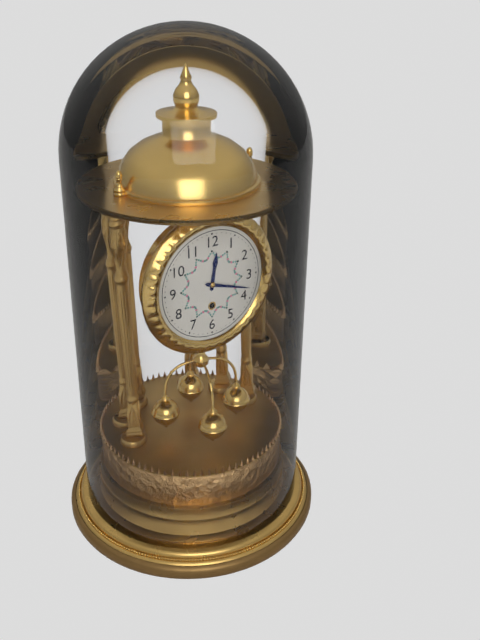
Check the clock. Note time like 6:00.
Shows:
12:18
